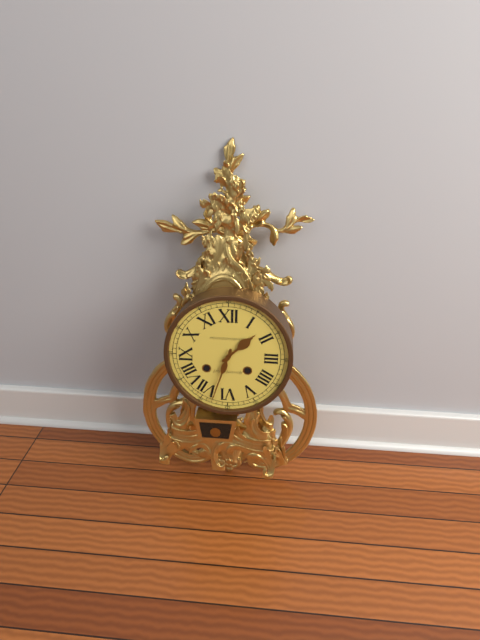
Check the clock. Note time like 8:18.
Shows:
1:33
